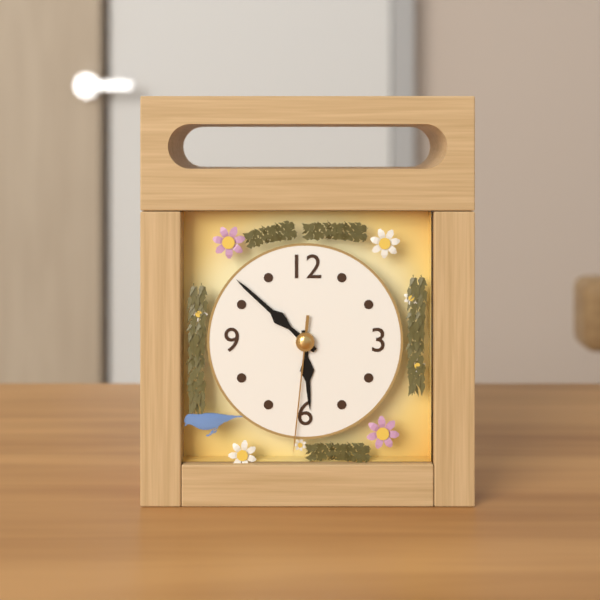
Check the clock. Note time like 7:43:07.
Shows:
5:52:31
